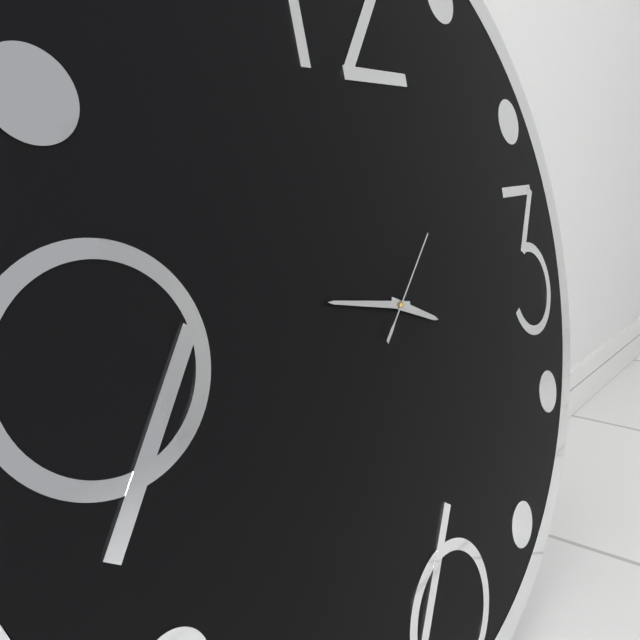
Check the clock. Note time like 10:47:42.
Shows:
3:47:08
